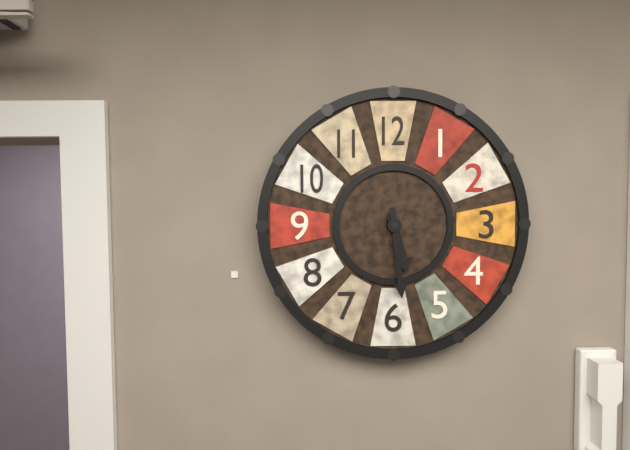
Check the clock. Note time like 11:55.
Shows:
5:29
